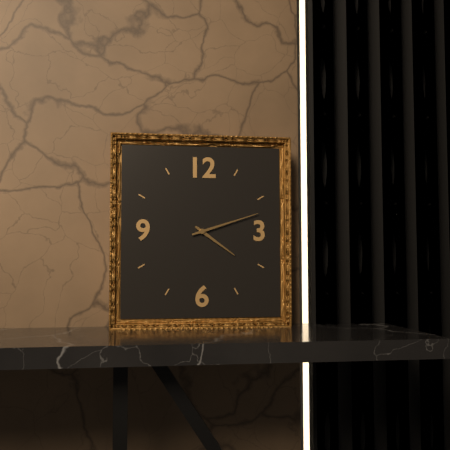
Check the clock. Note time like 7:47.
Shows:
4:12
